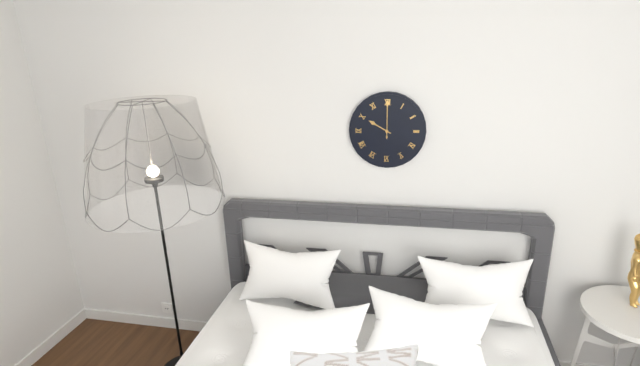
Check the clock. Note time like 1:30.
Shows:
10:00
